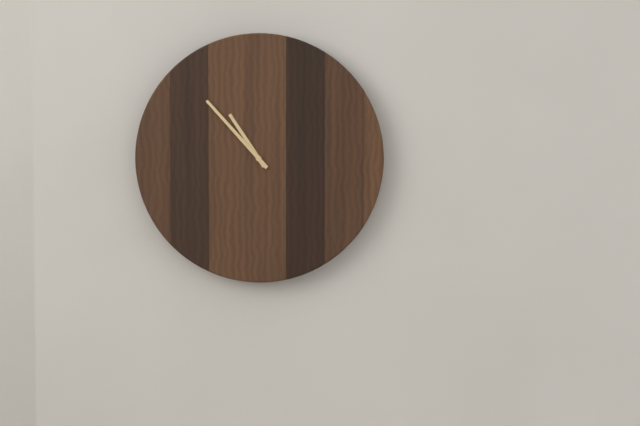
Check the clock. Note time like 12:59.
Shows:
10:53
